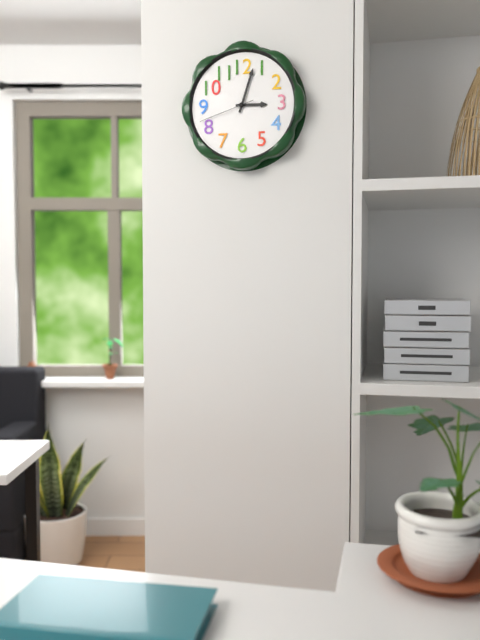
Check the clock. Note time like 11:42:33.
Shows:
3:03:42
